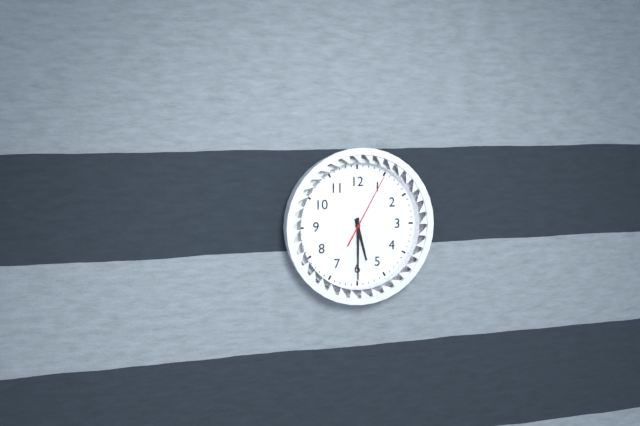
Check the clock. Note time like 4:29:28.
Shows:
5:30:05
